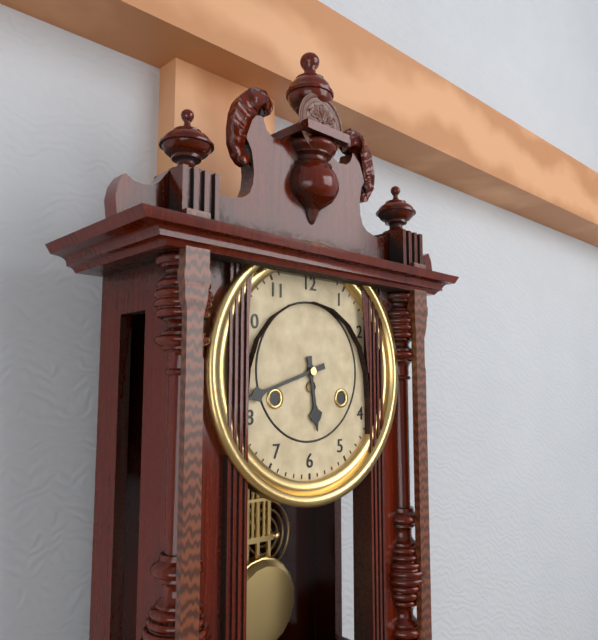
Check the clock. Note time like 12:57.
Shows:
5:42
